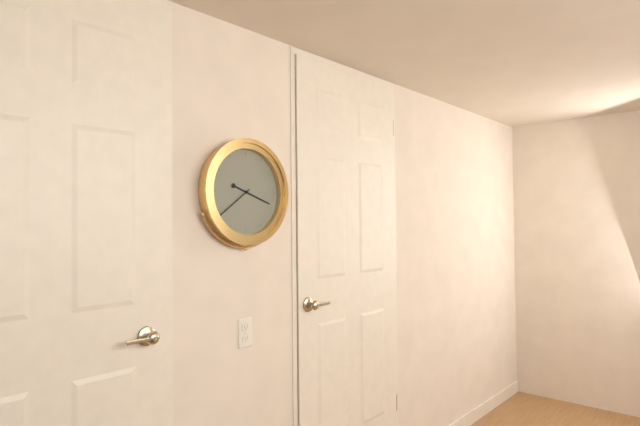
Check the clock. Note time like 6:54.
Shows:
3:39
